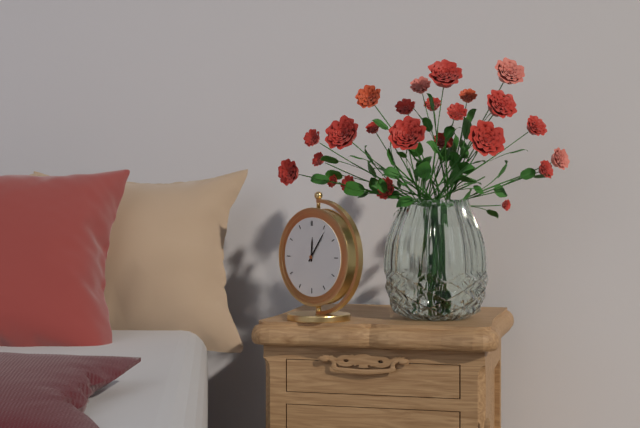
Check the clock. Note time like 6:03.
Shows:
12:06
